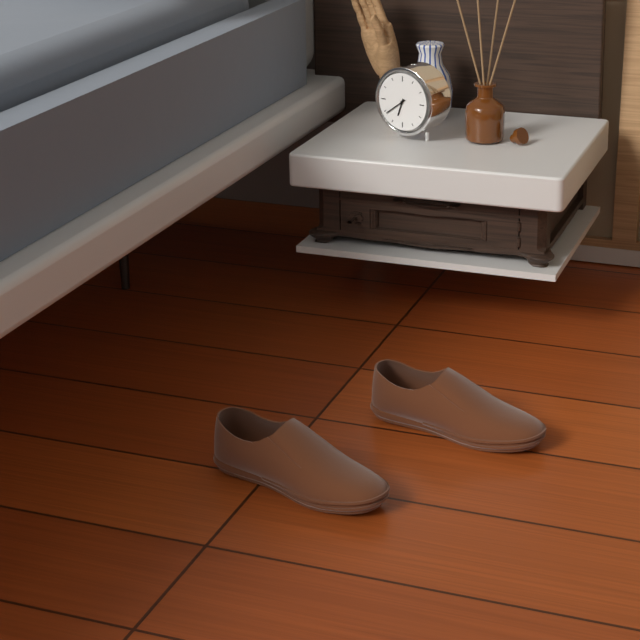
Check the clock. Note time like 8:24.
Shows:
6:39
